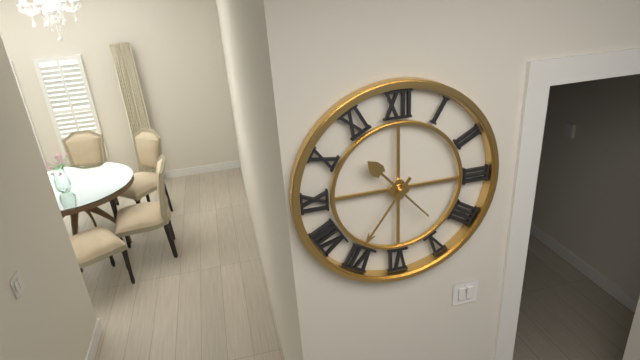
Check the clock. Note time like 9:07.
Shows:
10:36
